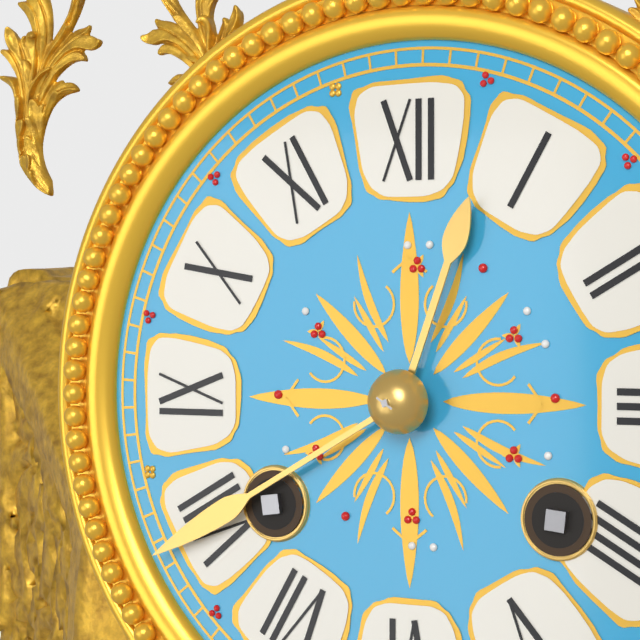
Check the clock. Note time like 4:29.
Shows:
12:40
